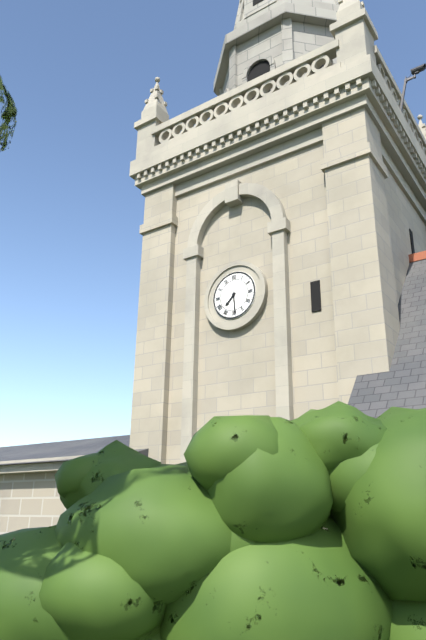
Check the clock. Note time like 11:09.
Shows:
7:29
